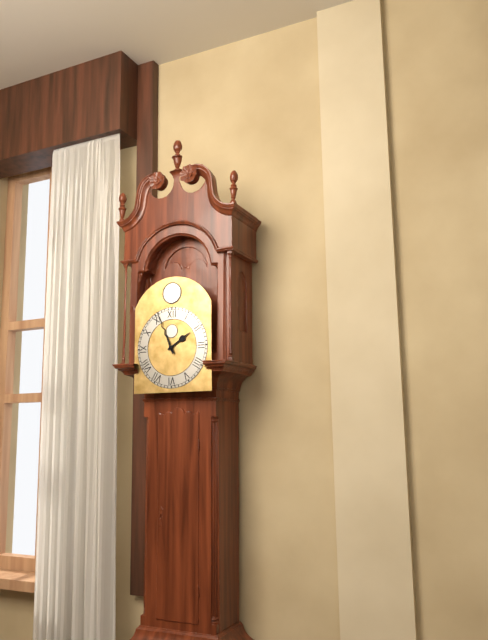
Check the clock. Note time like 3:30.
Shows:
1:56
